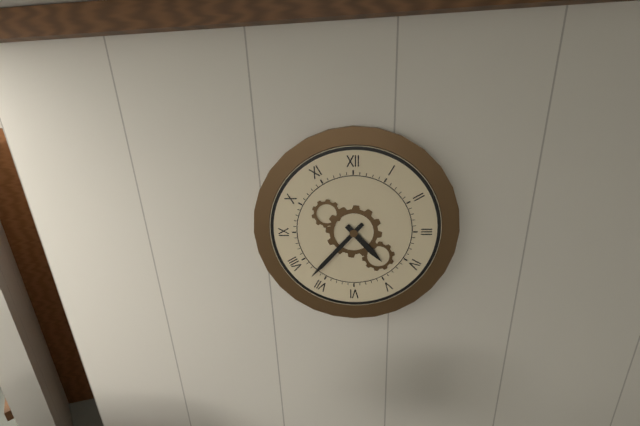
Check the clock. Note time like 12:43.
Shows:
4:37
